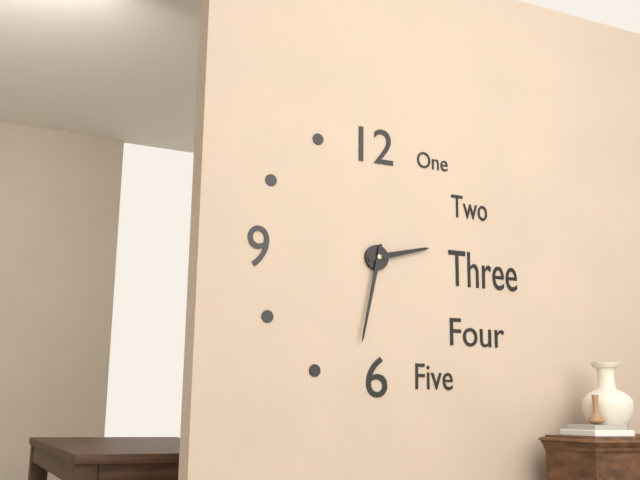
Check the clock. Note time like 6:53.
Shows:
2:32
